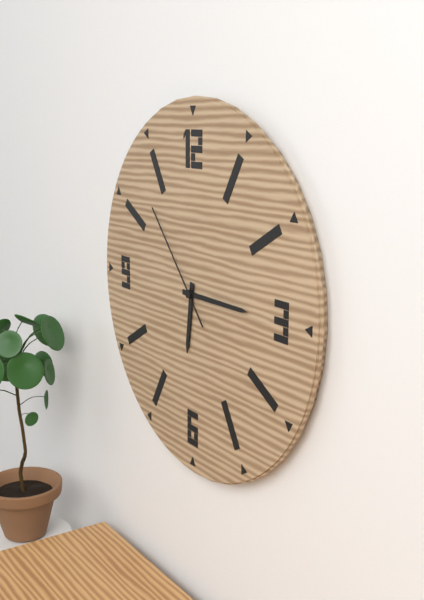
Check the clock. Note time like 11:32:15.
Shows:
6:15:53
